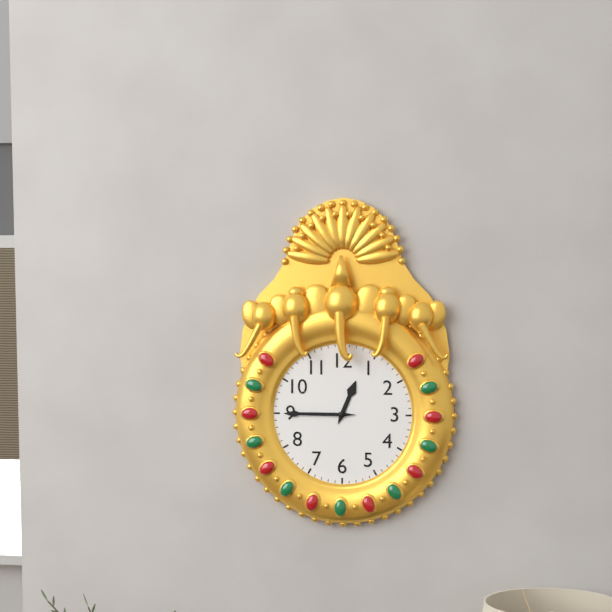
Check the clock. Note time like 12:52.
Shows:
12:45
